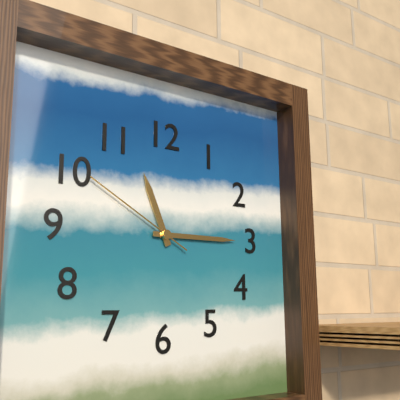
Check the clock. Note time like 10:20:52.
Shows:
11:15:50
